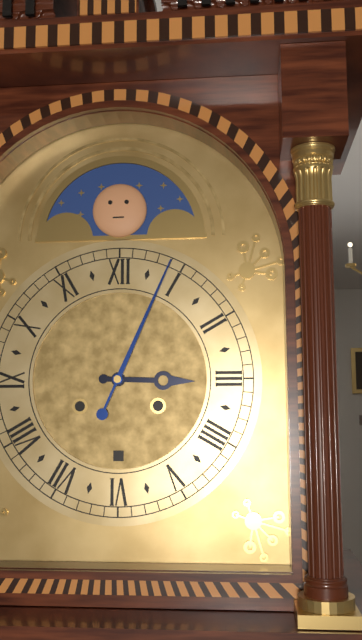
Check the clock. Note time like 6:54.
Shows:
3:04
